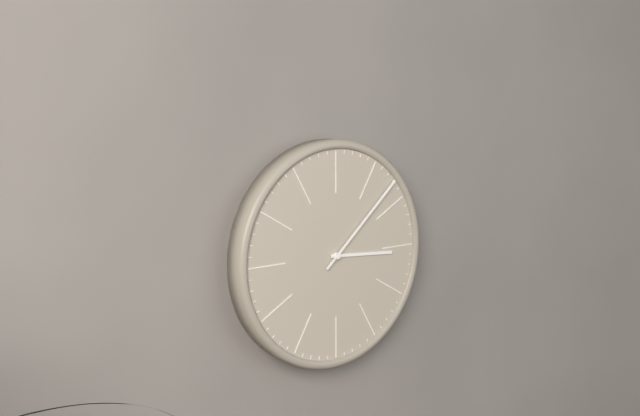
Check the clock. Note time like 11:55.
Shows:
3:08
